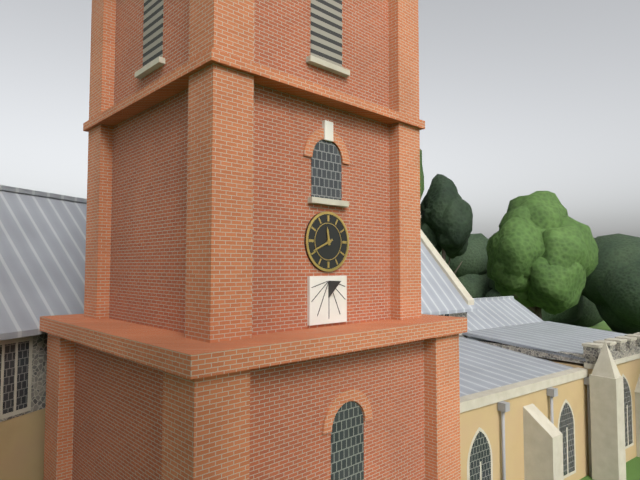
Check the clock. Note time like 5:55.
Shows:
11:41
